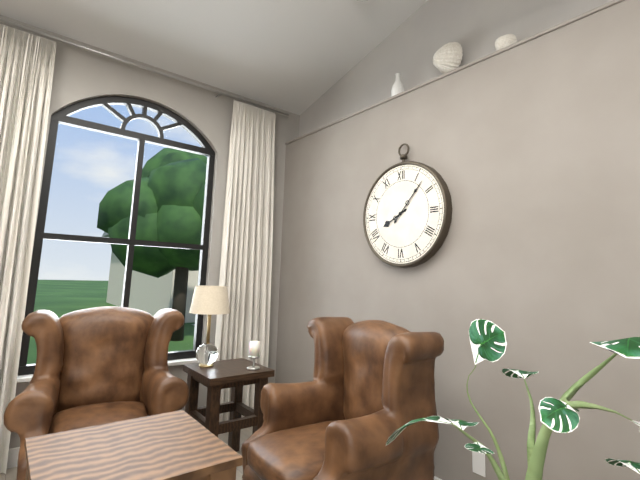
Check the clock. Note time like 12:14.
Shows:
8:07
